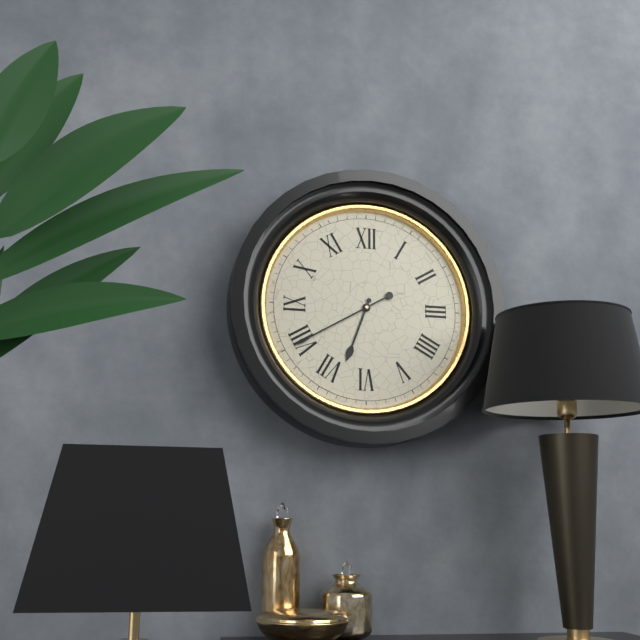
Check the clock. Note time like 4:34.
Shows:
6:40
